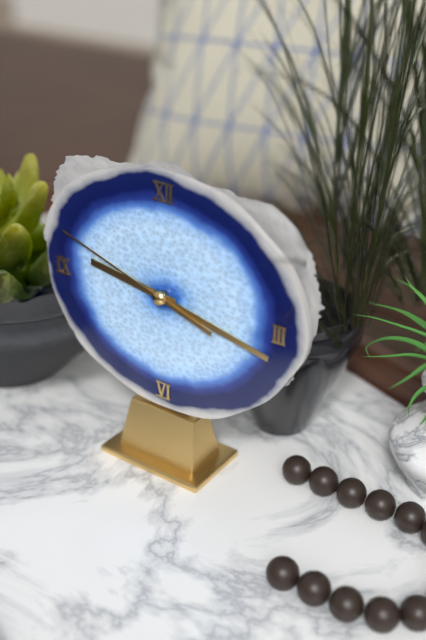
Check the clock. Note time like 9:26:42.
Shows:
9:17:48
